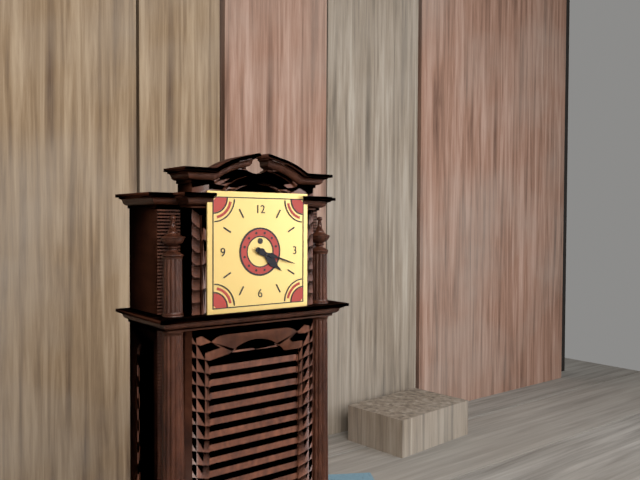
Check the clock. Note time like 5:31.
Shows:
4:18
